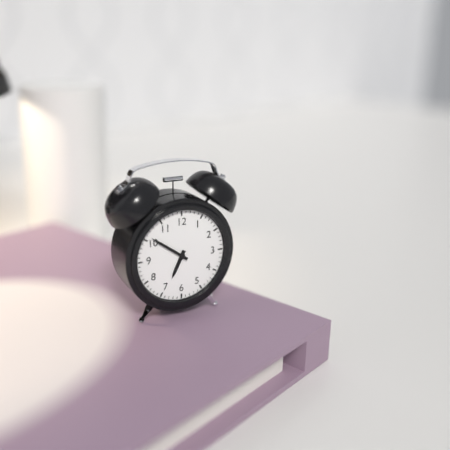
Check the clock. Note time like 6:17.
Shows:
6:51
